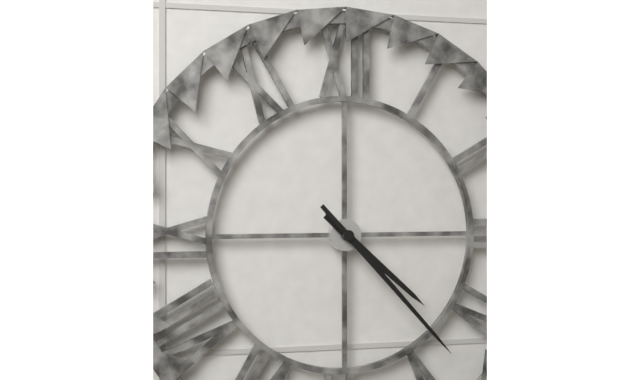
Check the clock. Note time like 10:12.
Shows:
4:23
